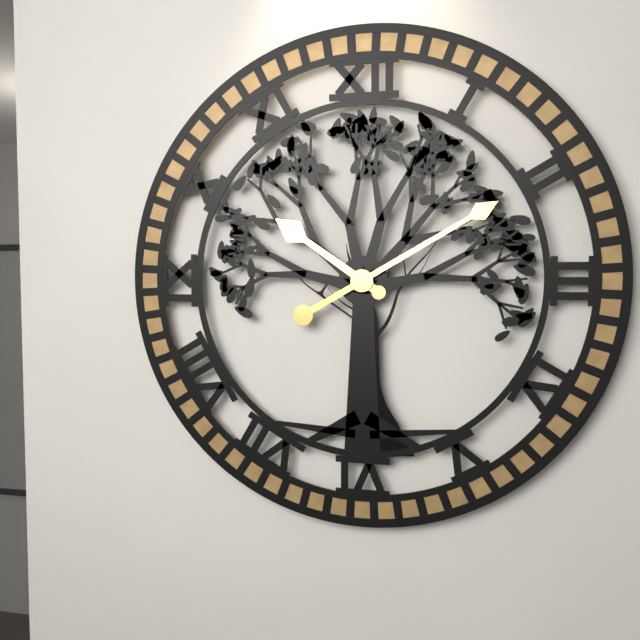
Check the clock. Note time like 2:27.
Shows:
10:10
